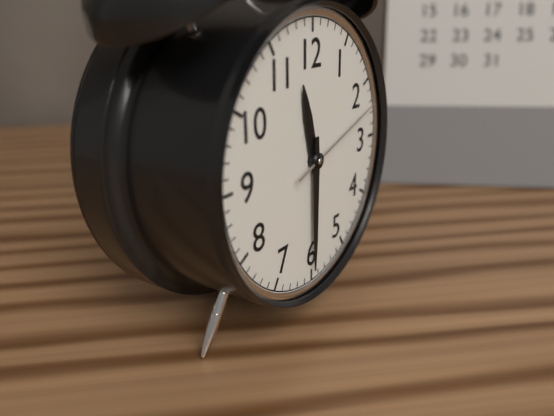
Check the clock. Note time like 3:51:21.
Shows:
11:30:12
